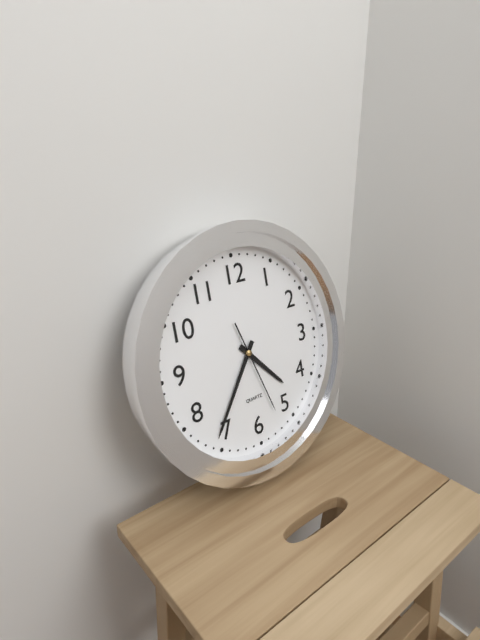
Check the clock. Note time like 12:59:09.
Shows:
4:36:27
